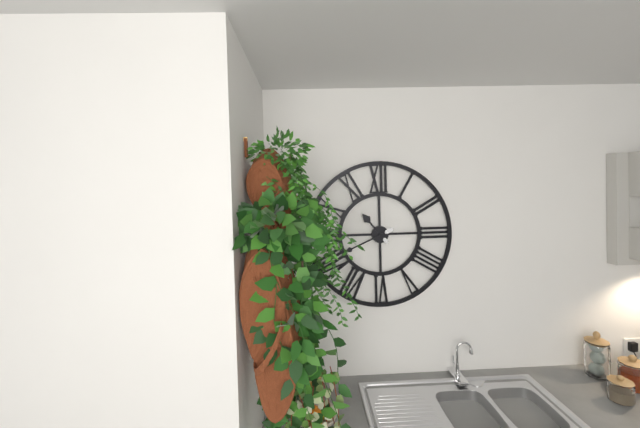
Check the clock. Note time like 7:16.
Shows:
10:41
